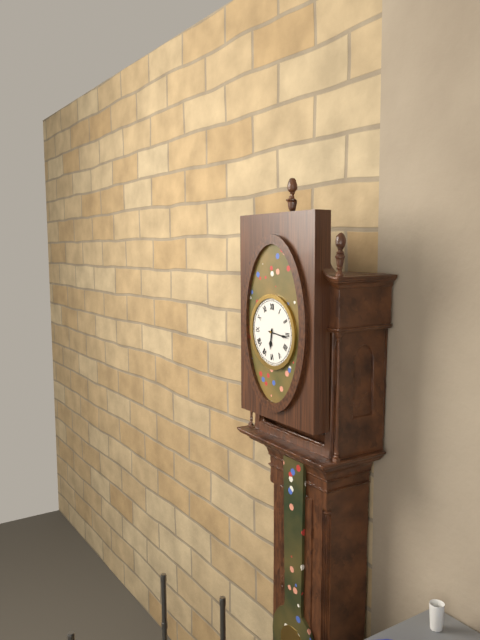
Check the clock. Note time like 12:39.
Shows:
6:16
